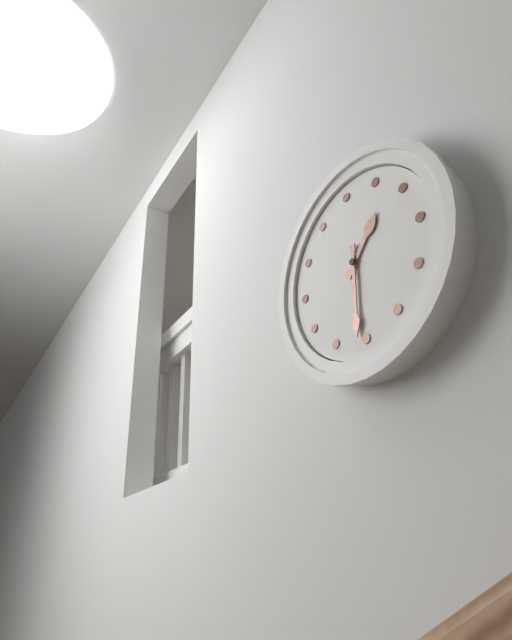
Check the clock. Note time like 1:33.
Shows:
1:31
